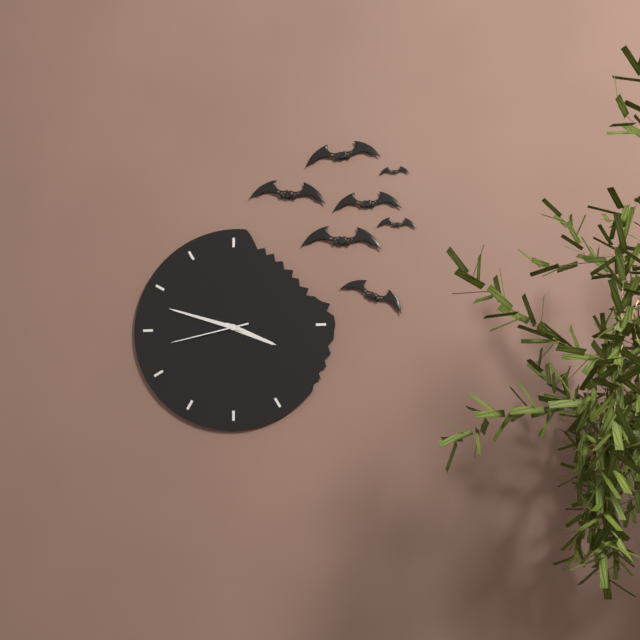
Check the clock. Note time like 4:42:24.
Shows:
3:48:43
